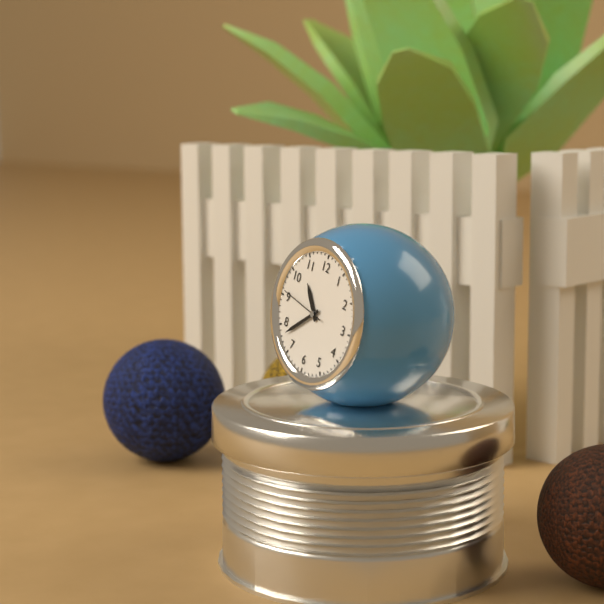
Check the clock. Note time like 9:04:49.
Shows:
10:38:46
